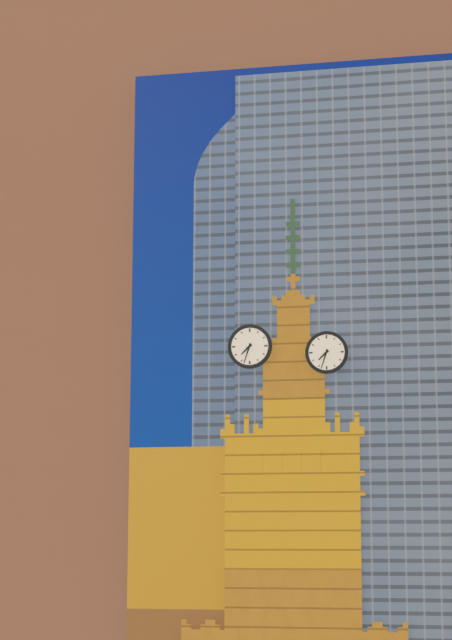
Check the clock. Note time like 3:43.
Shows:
7:33
